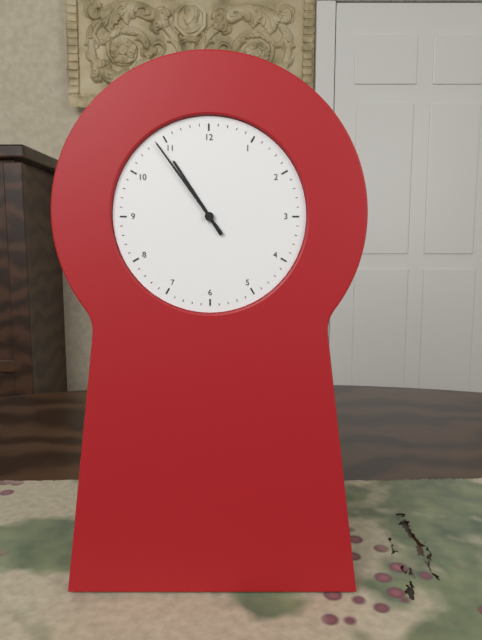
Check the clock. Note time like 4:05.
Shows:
10:54
